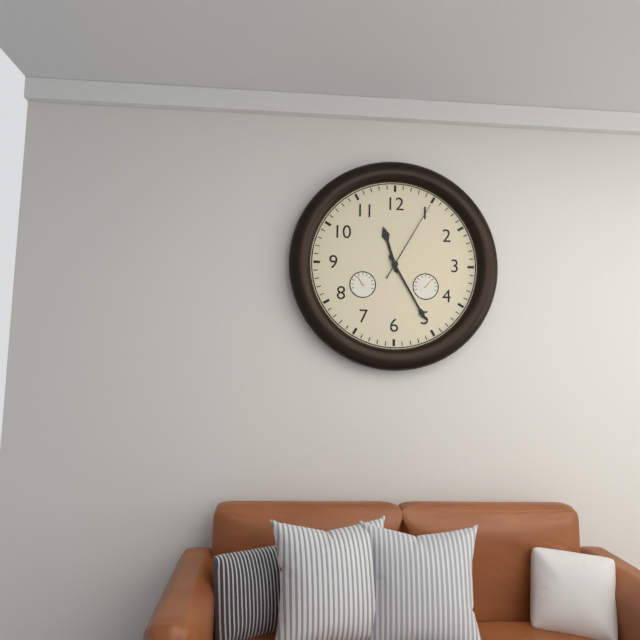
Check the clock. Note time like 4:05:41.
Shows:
11:25:05
